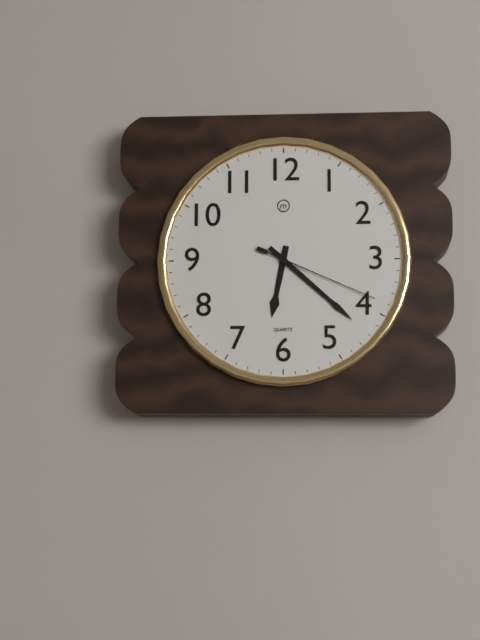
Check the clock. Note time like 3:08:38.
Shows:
6:22:19
